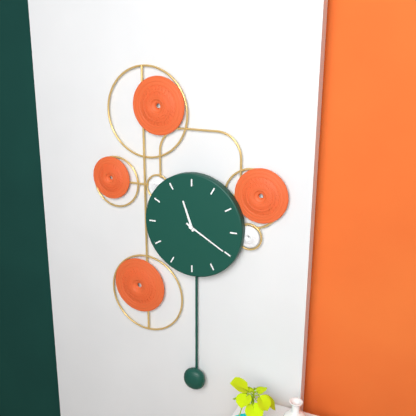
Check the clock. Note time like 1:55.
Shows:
11:20
